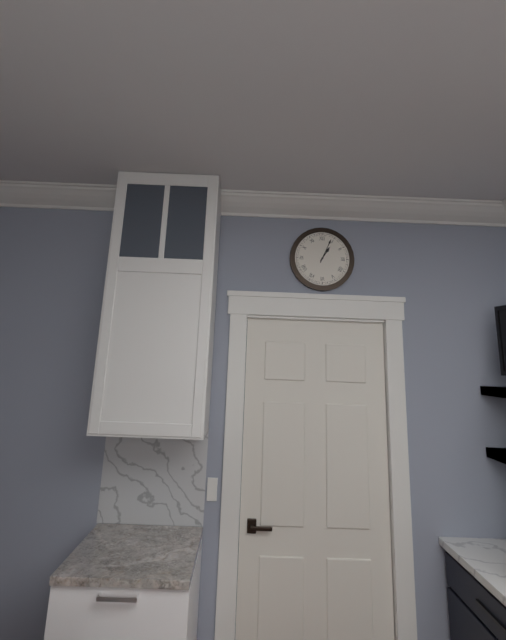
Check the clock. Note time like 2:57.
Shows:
1:04
